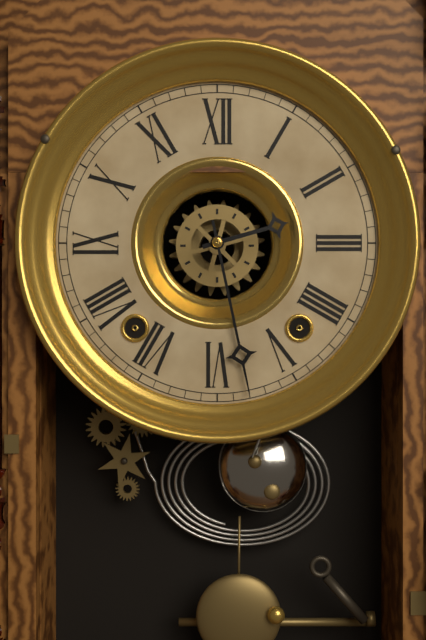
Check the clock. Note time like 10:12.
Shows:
2:28
